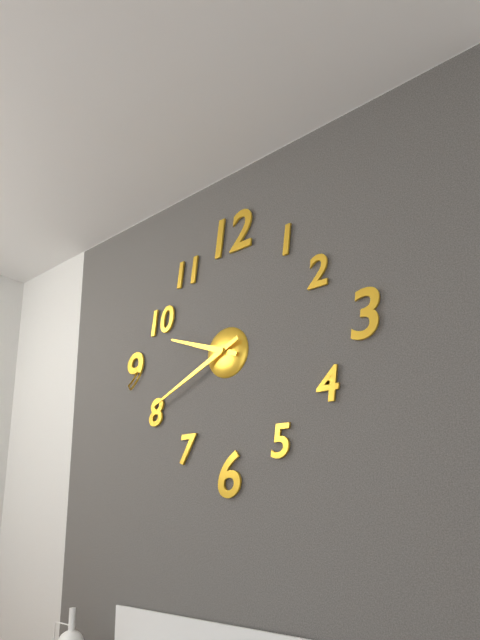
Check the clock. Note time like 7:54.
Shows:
9:41
